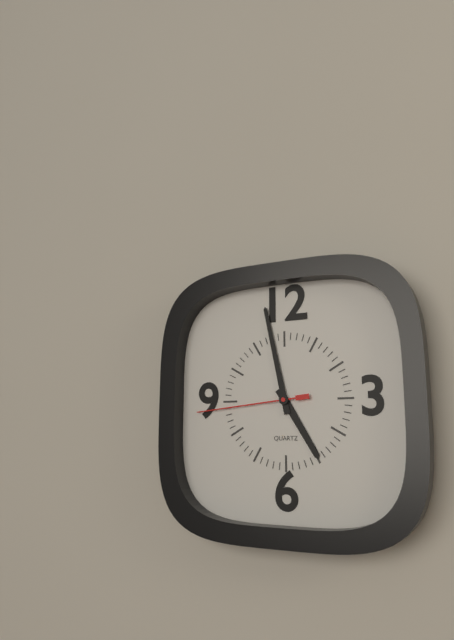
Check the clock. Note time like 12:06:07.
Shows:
4:58:44
